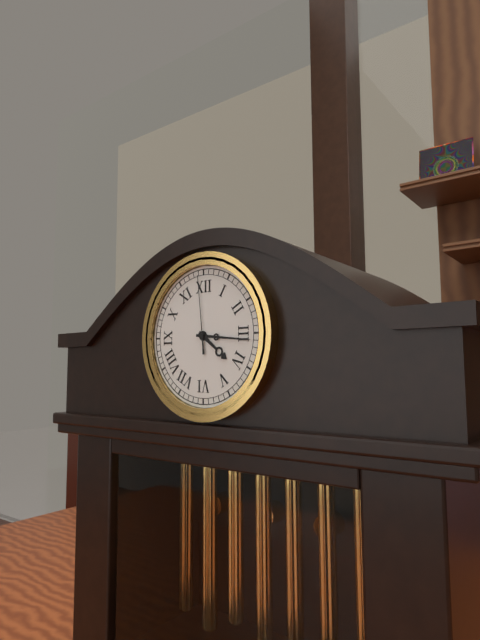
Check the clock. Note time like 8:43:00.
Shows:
4:16:59
